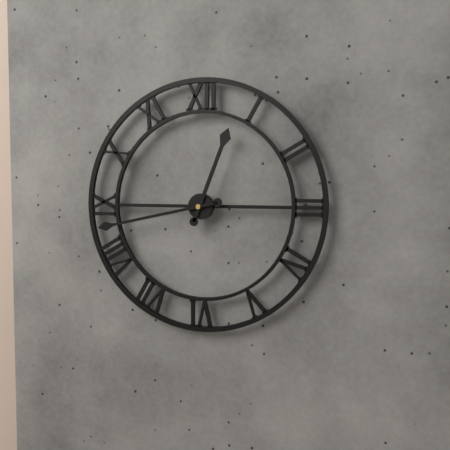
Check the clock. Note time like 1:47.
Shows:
12:43
